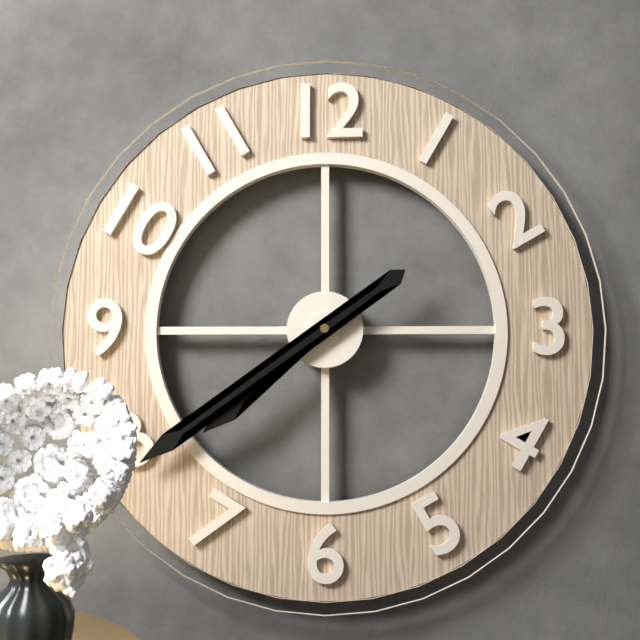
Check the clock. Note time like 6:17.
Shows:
7:39
